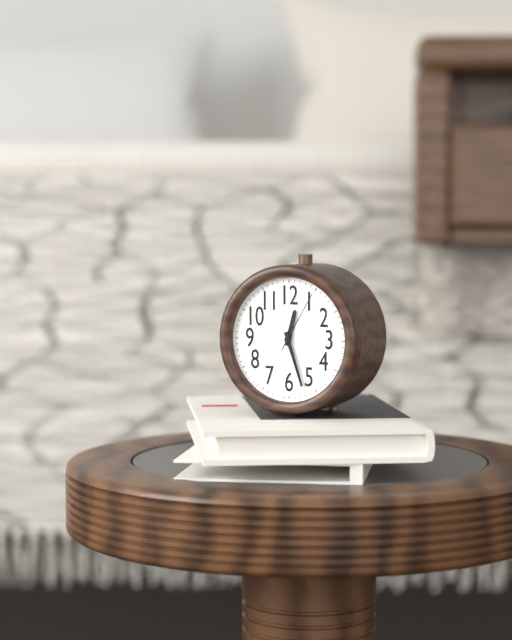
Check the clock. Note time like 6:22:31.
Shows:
12:27:05
